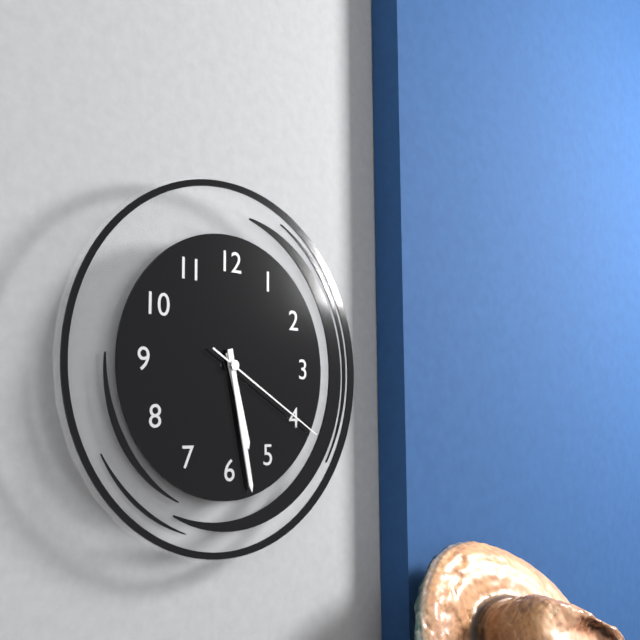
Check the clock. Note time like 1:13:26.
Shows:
5:28:20
